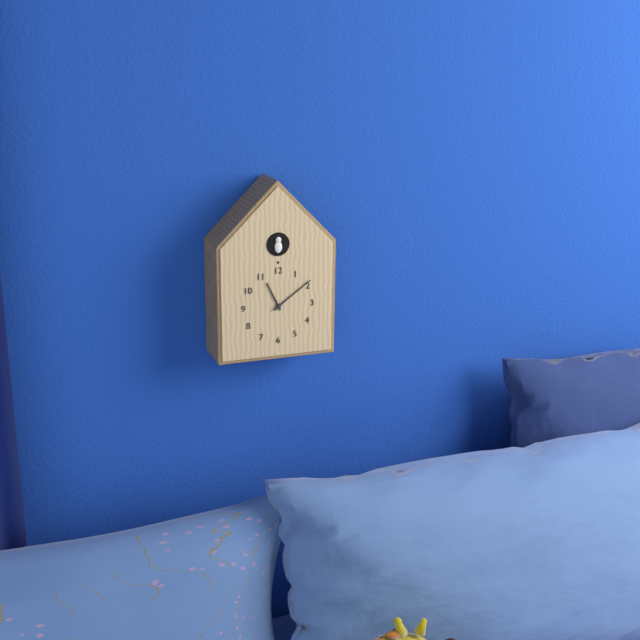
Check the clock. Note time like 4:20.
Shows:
11:09
